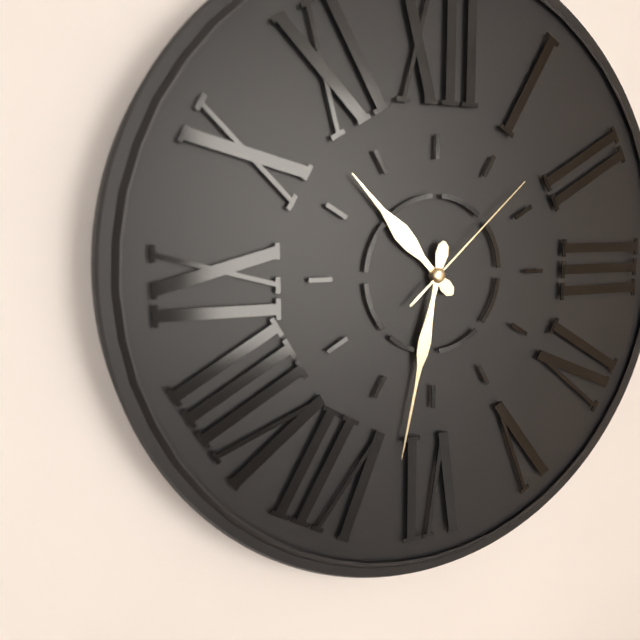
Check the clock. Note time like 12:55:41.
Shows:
10:32:08
